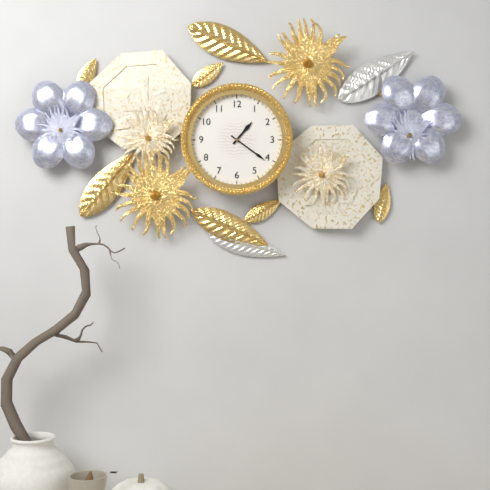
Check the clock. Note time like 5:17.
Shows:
1:21
